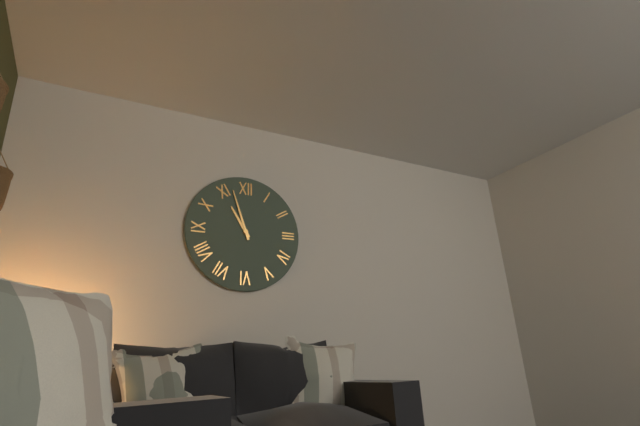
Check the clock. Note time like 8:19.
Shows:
10:57
